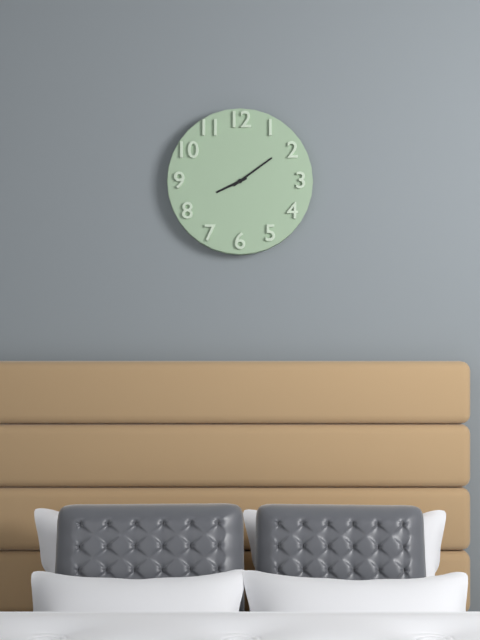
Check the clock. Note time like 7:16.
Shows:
8:09
